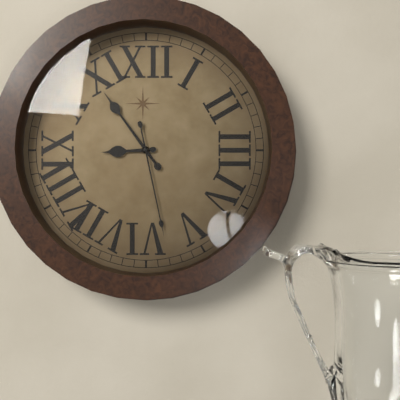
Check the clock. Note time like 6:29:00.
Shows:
8:54:28
